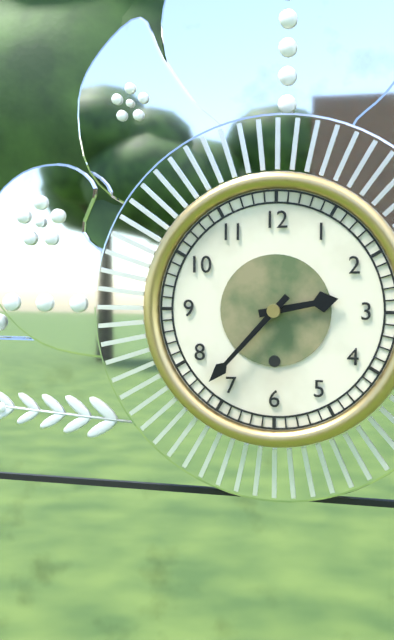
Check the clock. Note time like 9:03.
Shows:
2:37
